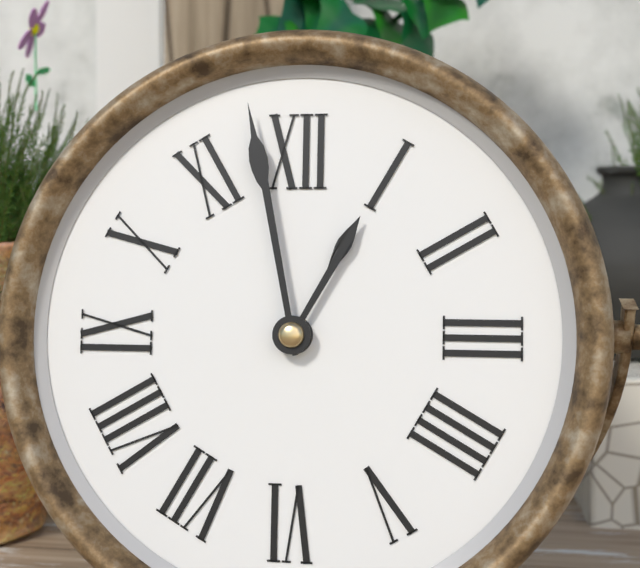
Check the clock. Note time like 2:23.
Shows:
12:58
